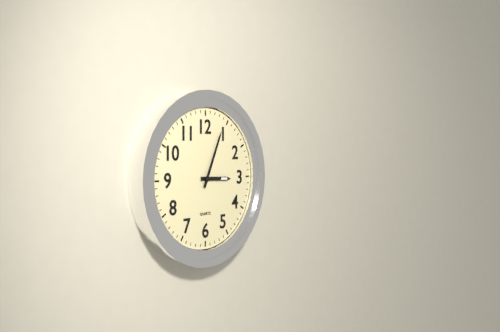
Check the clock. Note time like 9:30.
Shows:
3:04
